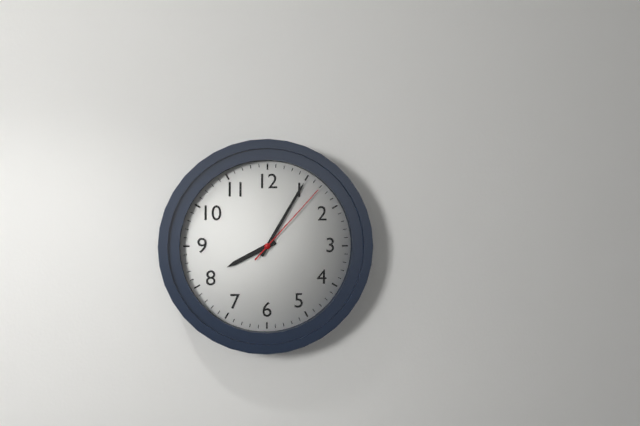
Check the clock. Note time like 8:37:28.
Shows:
8:05:07
